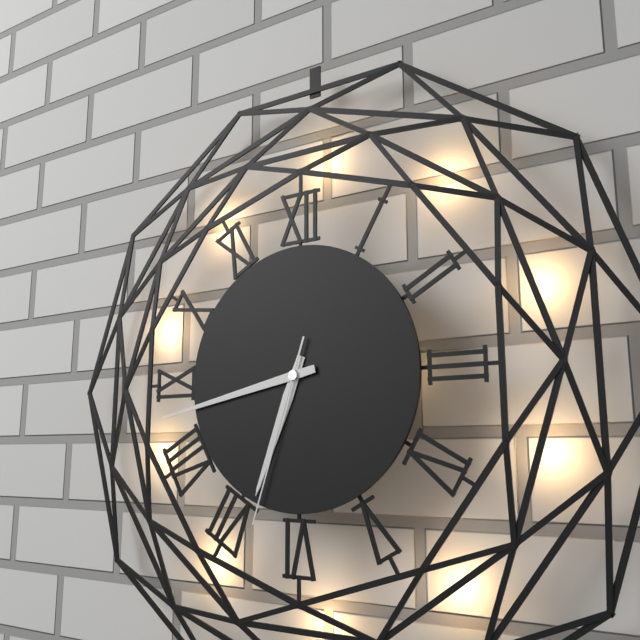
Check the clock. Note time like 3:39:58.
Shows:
6:43:33
